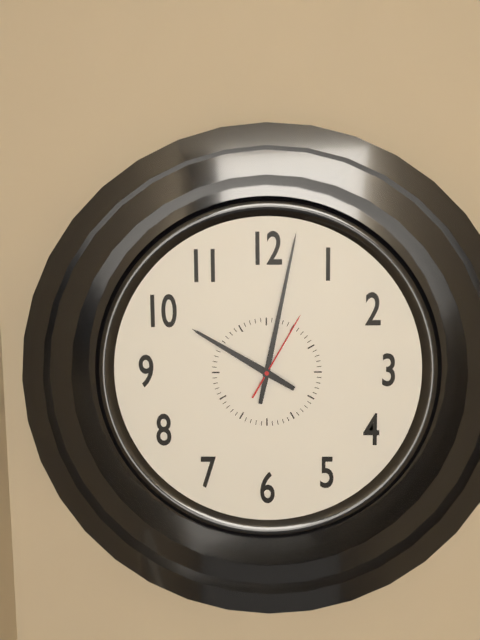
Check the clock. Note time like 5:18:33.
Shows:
10:02:05
